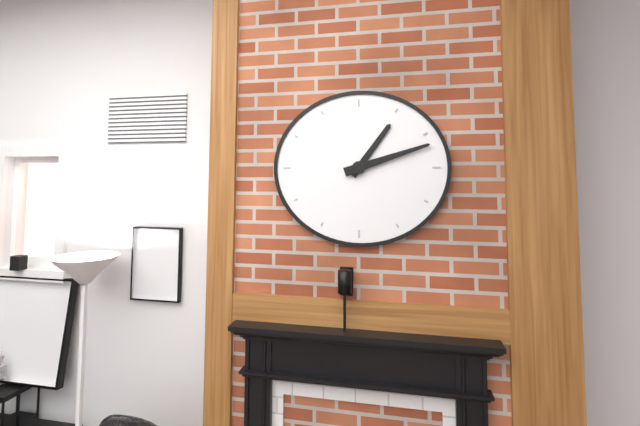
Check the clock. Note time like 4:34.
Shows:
1:12
